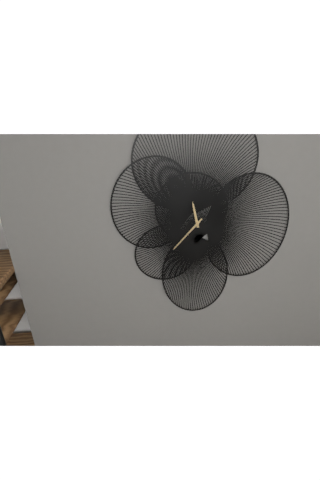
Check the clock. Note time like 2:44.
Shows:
11:37
